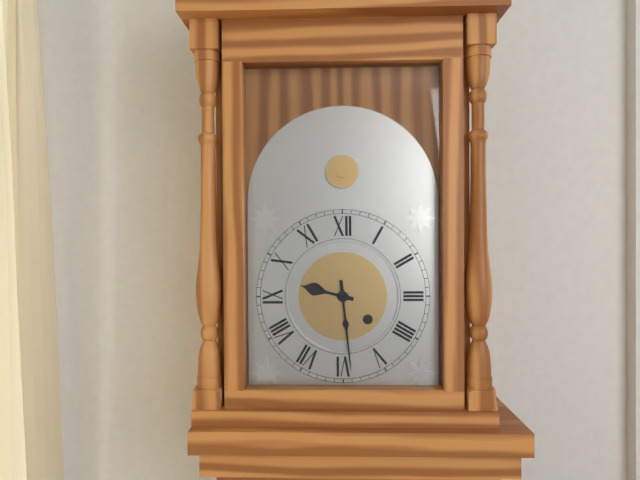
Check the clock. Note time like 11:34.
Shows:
9:29
